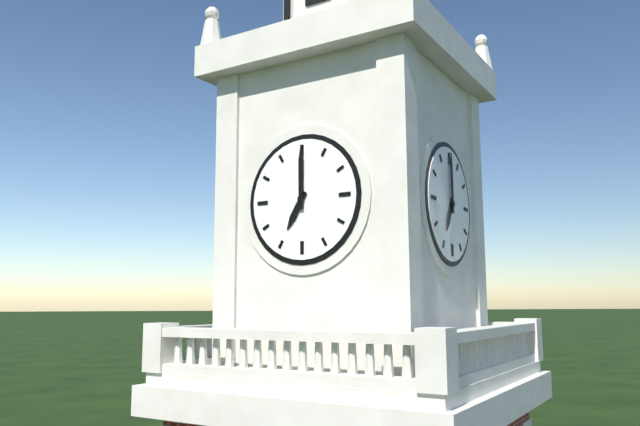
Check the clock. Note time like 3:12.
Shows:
7:00
